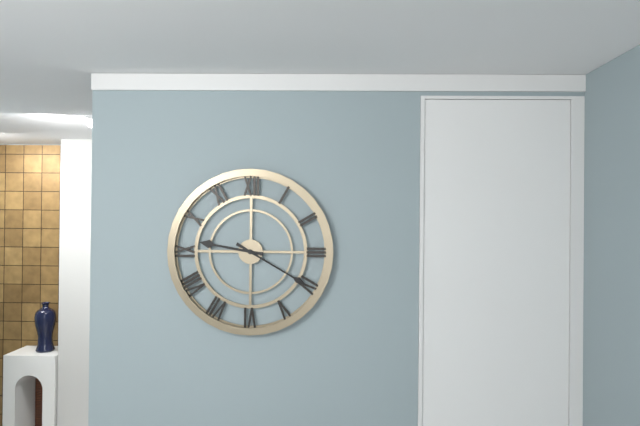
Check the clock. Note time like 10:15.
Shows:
9:20
